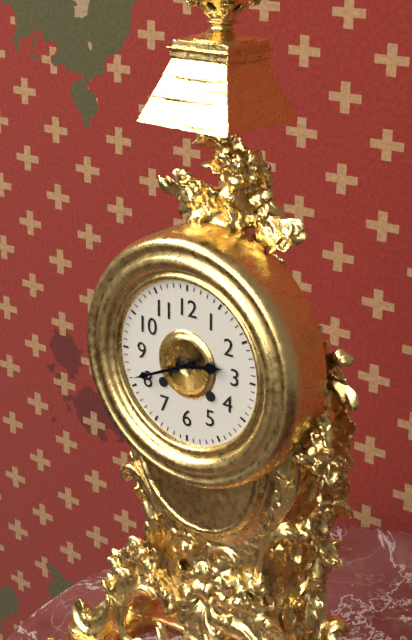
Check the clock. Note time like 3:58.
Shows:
2:41
